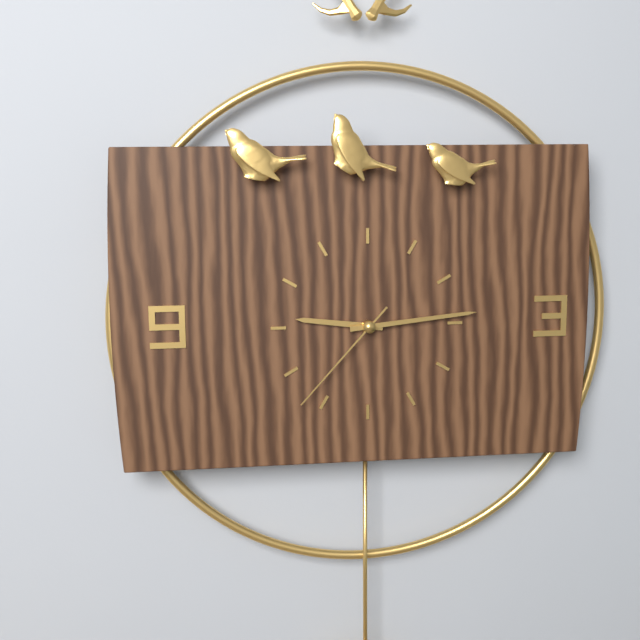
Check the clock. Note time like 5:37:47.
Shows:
9:14:37
